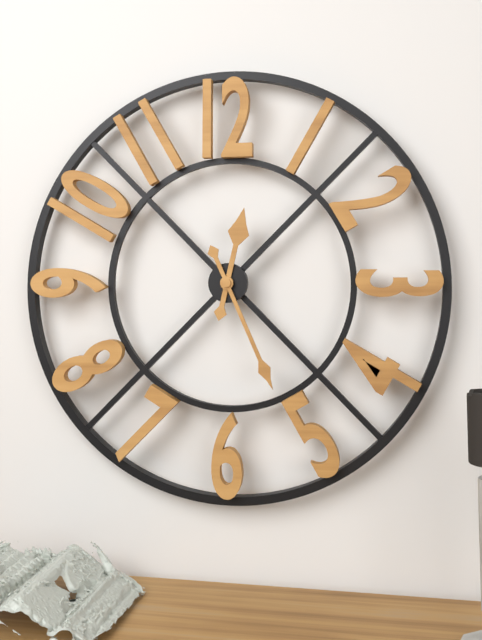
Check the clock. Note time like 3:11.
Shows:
12:26
